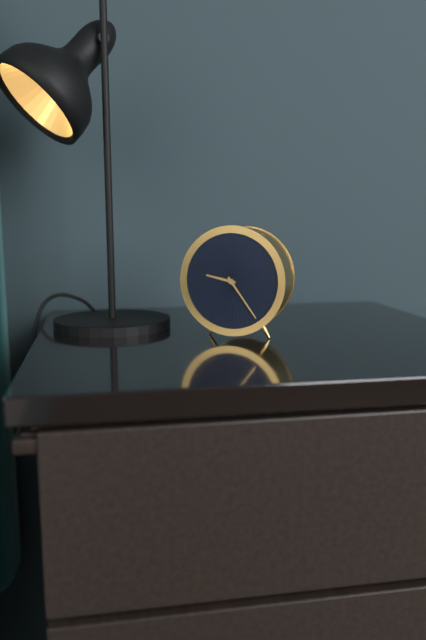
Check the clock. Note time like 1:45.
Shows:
9:24
